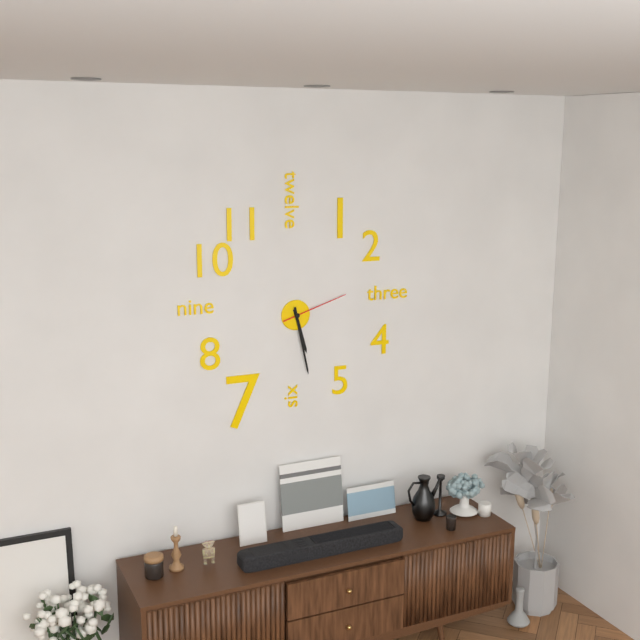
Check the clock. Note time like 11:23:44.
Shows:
5:28:12
